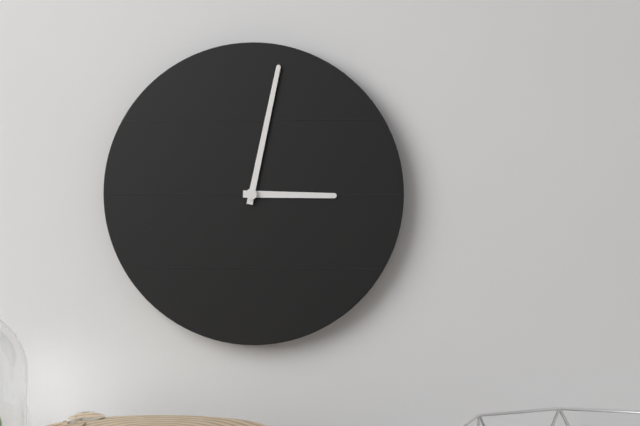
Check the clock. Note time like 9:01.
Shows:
3:02
